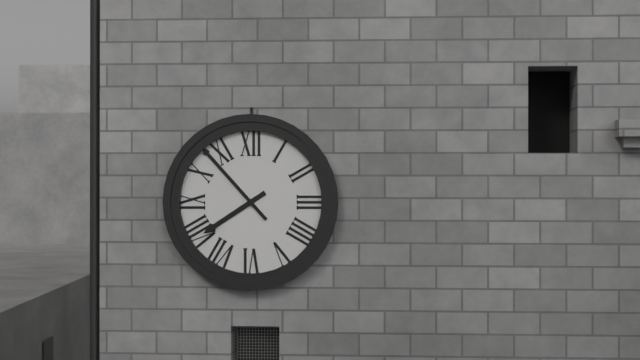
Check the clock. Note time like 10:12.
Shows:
7:53
